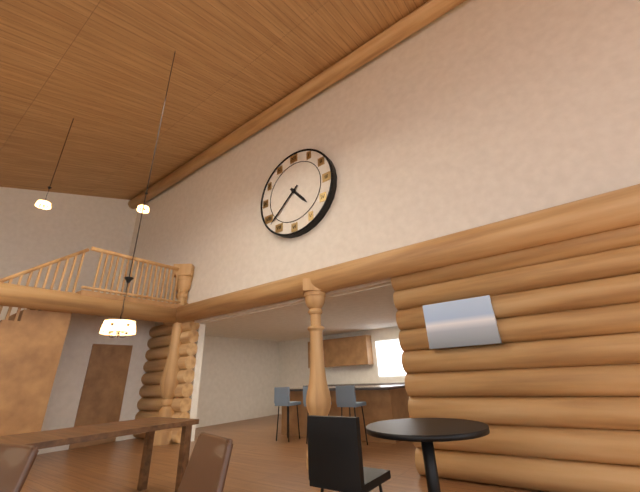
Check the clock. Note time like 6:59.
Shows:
4:38
